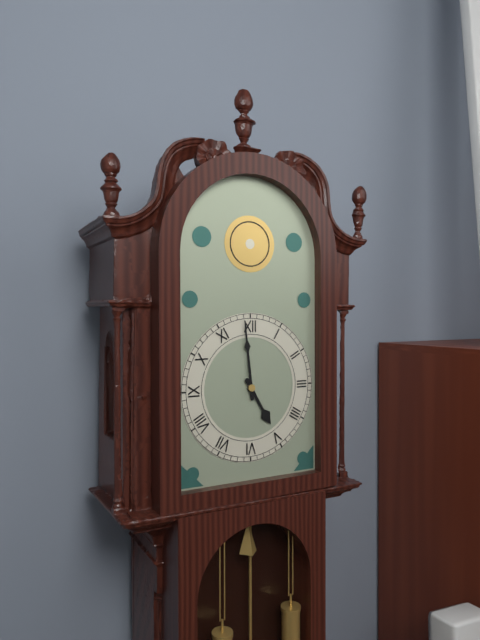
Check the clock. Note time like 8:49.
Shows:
4:59
